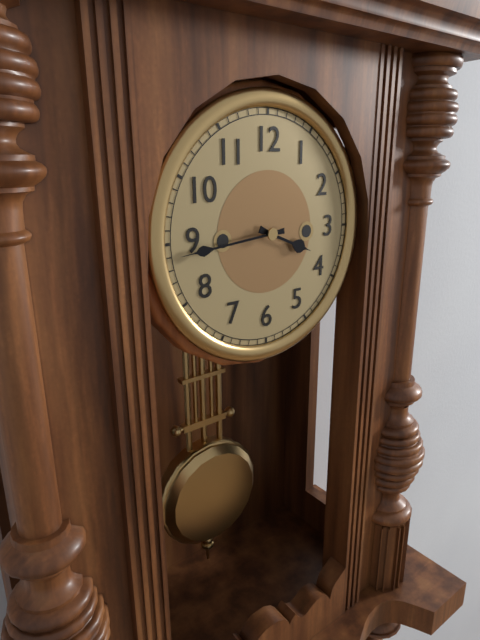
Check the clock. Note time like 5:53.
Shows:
3:44
